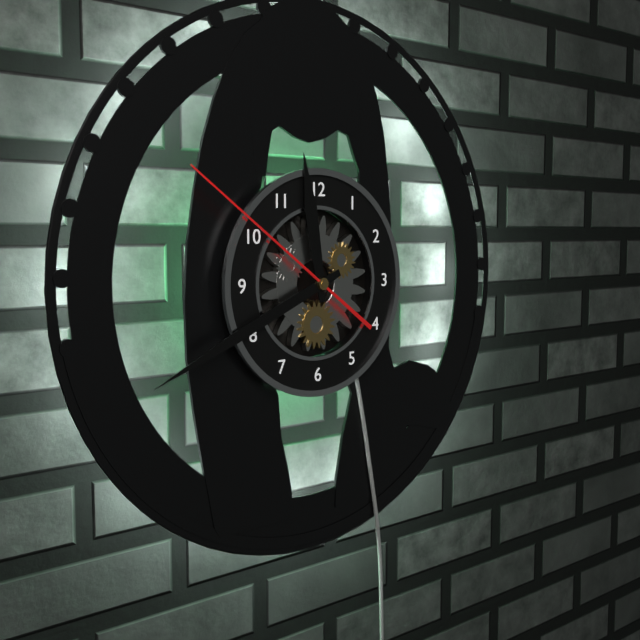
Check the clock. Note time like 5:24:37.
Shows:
11:41:51
